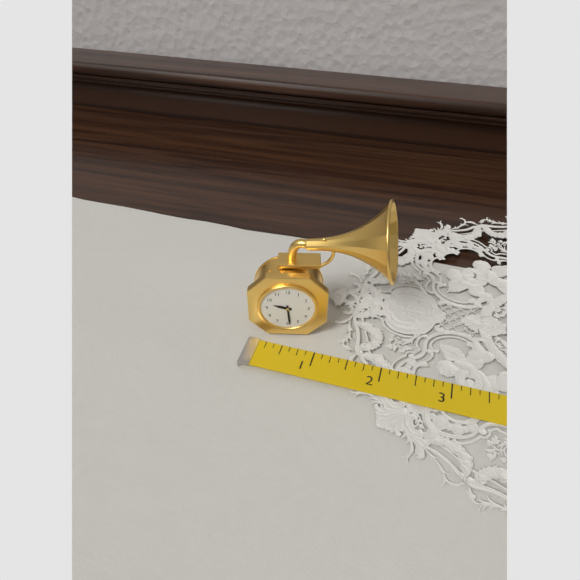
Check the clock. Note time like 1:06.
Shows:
9:29
